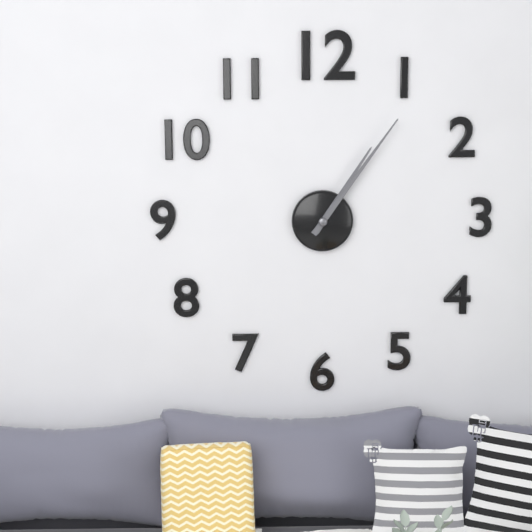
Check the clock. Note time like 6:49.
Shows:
1:06
